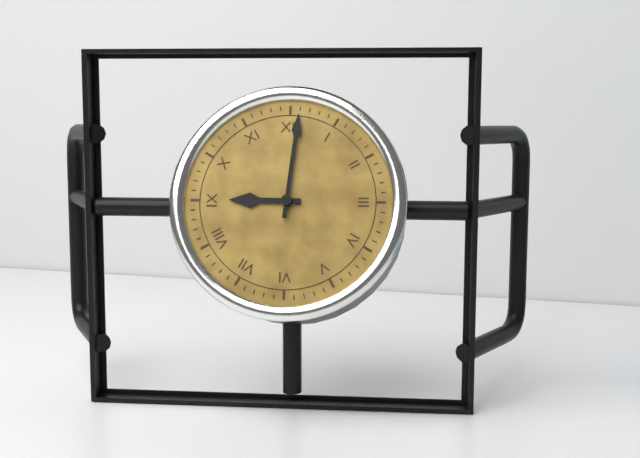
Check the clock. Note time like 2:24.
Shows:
9:01
